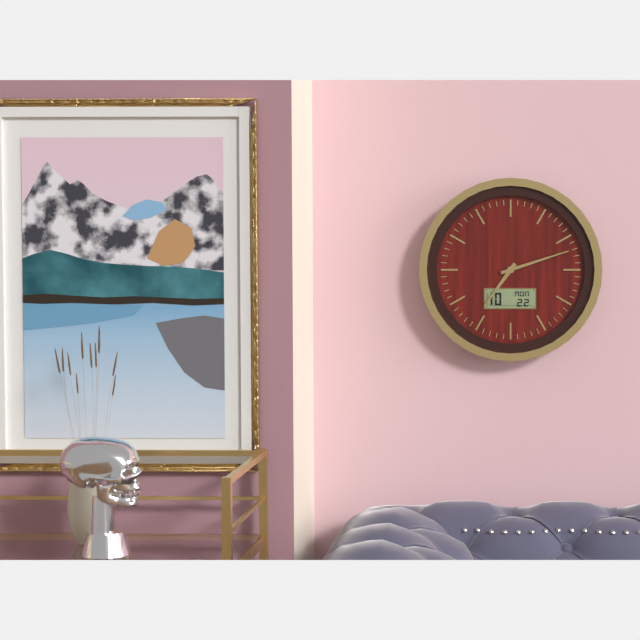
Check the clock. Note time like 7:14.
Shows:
7:12
